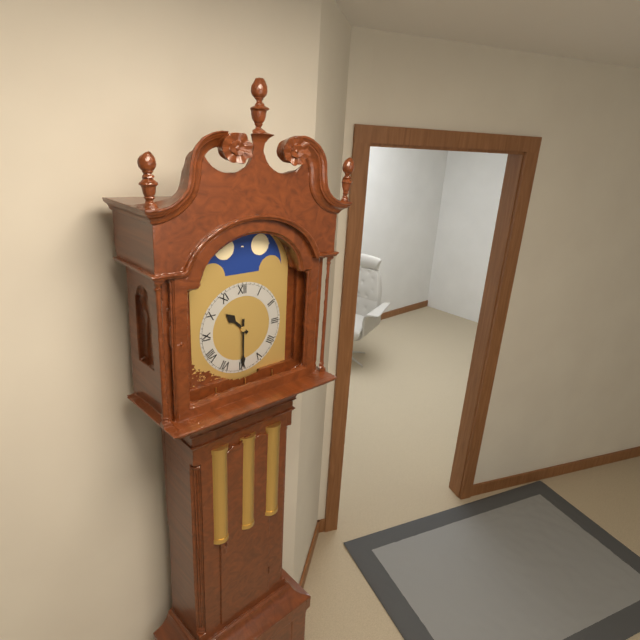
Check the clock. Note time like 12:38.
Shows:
10:30
